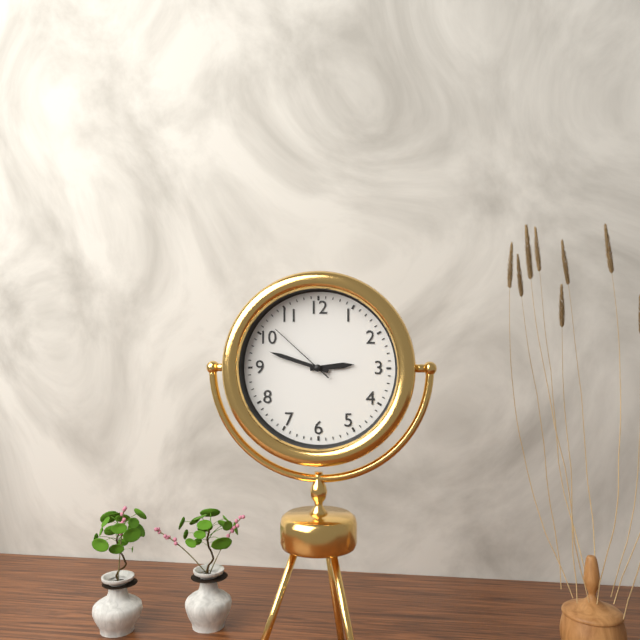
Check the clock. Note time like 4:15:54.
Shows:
2:48:52
